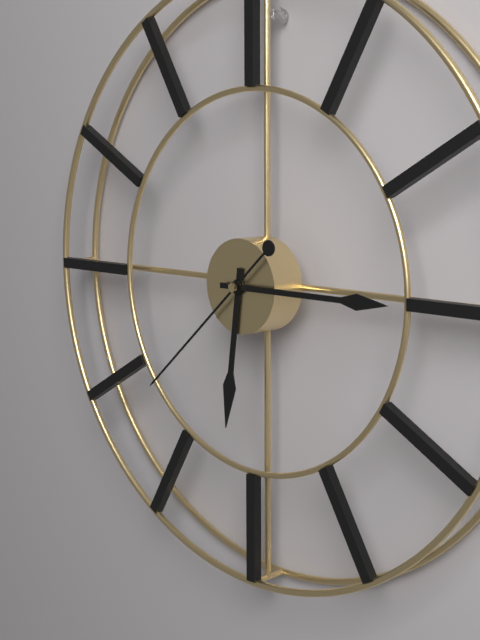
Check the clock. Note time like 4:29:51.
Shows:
6:15:38
